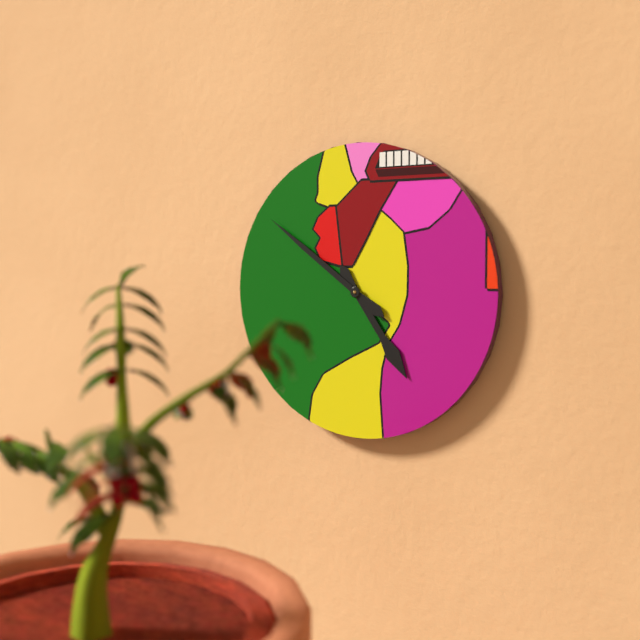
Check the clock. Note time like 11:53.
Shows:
4:51
